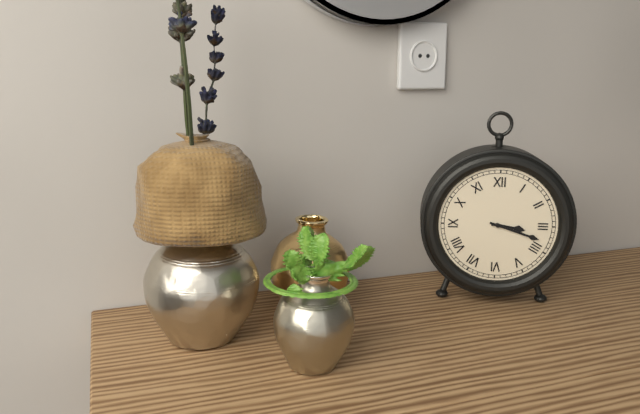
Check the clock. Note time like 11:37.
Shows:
3:18
